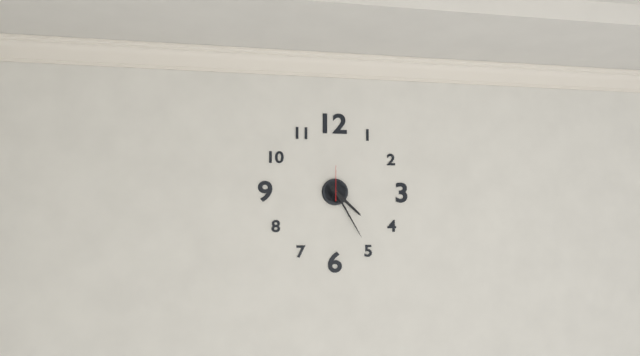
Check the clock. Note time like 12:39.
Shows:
4:25
